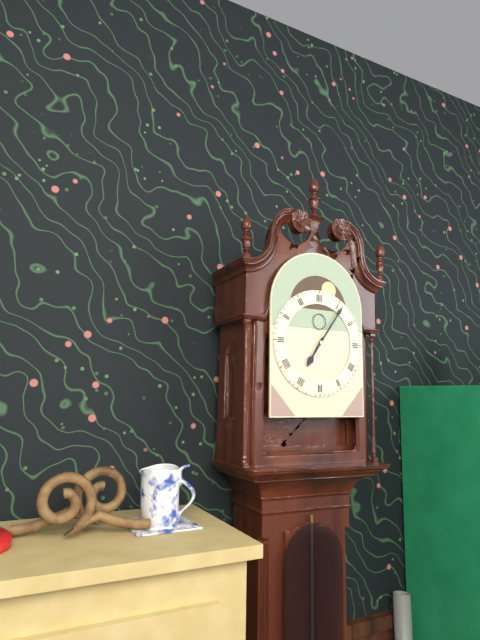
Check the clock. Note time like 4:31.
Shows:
7:06
